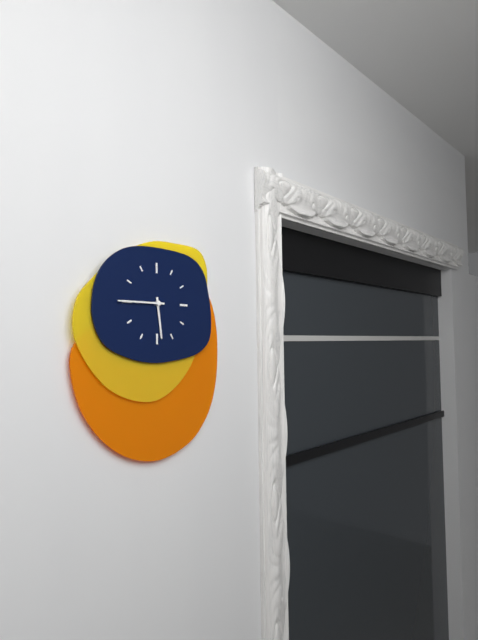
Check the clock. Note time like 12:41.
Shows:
5:45
